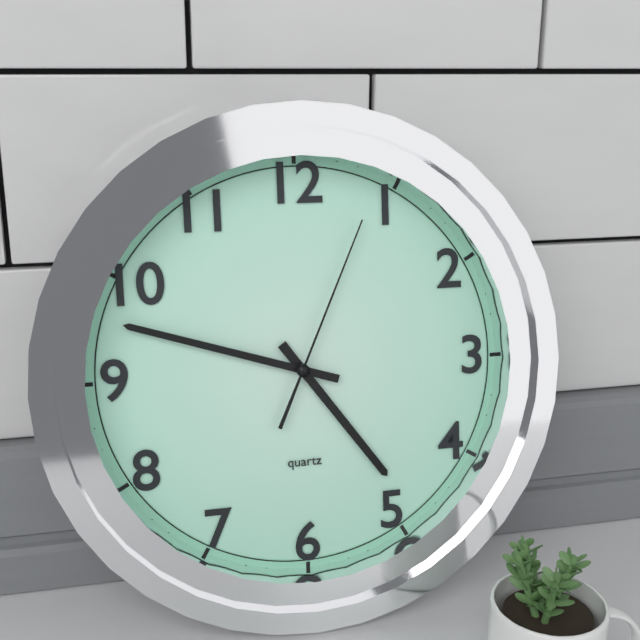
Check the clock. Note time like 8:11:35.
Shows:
4:48:04
